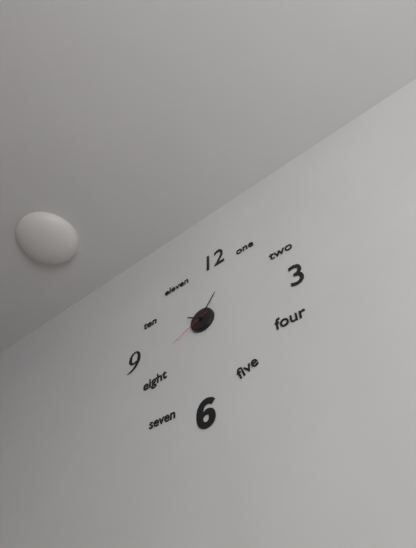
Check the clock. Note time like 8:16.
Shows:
10:06
